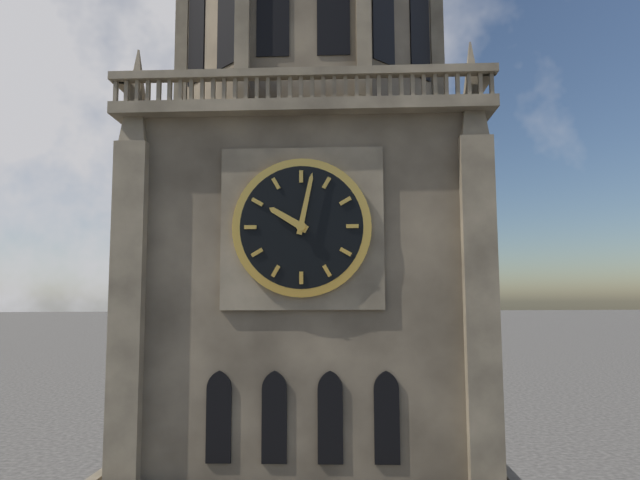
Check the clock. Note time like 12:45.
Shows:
10:02
